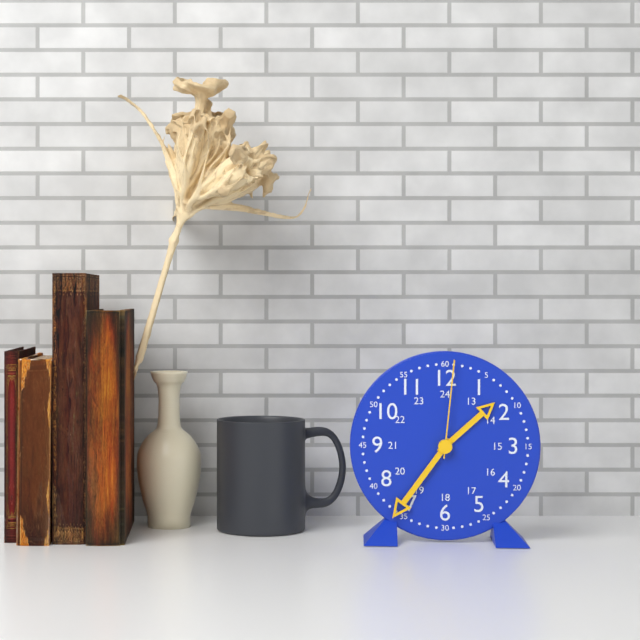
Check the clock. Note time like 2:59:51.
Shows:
1:36:01
